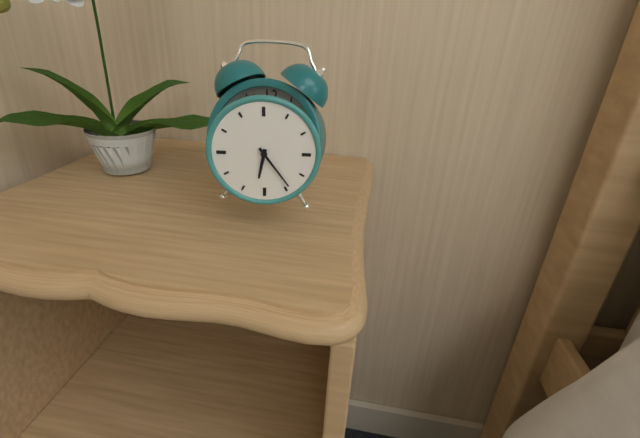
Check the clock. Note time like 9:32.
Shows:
6:24
